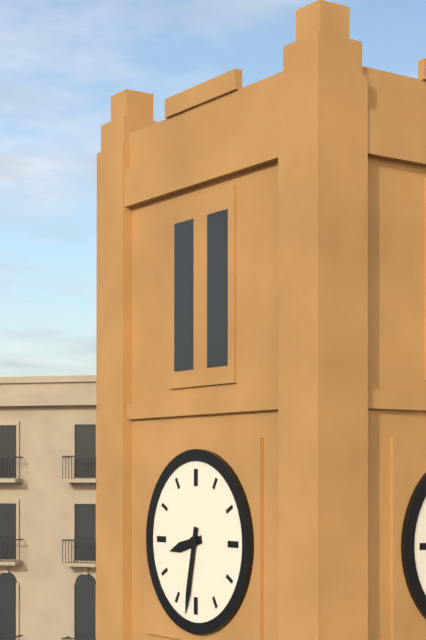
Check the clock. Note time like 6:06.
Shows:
8:32
